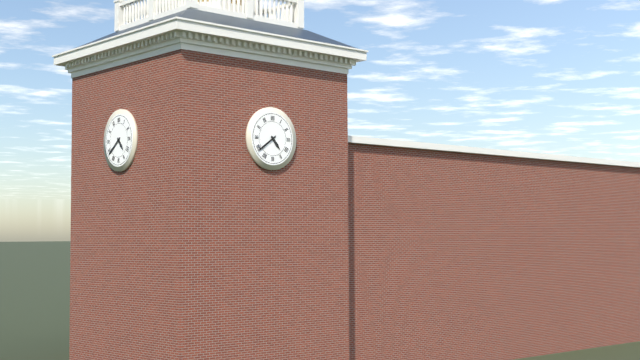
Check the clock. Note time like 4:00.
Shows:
4:39
